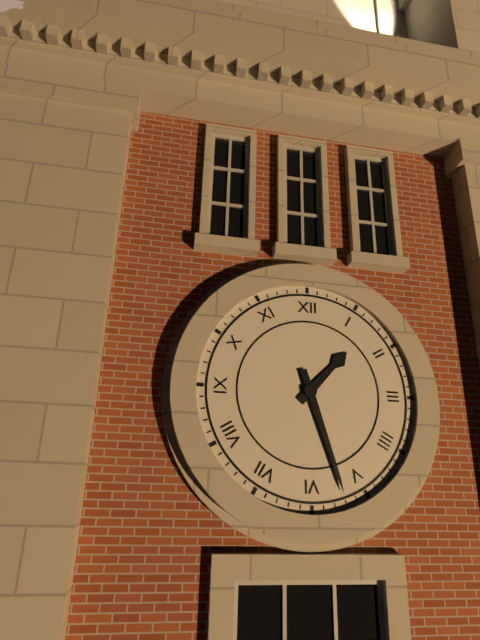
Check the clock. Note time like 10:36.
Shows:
1:27
